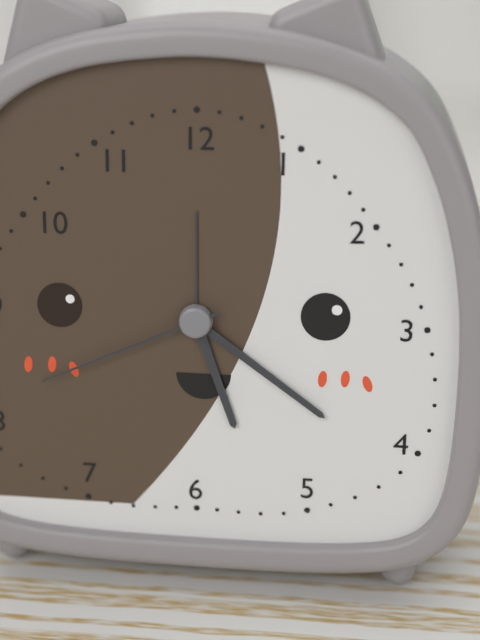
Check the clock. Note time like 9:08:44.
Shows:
5:21:41
